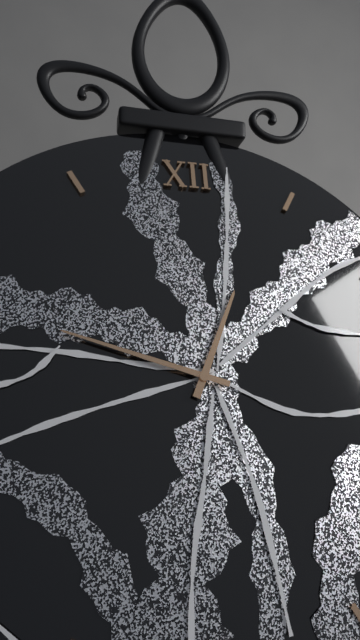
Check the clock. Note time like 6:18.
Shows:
12:48
